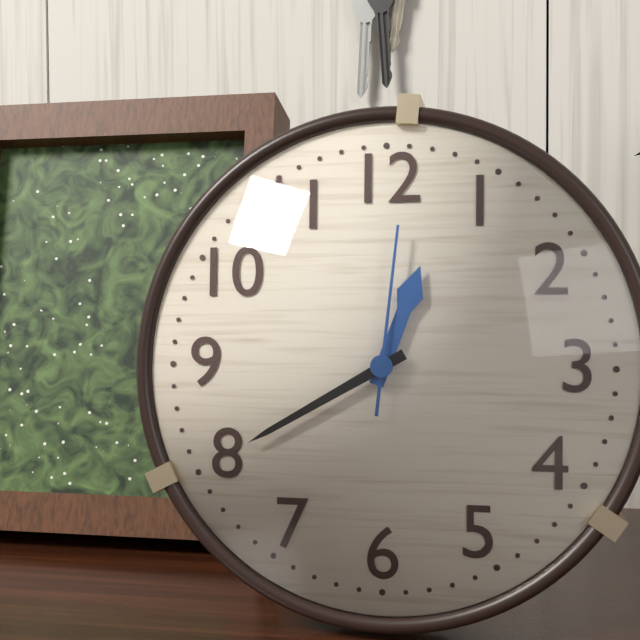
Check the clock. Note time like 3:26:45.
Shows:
12:40:01
